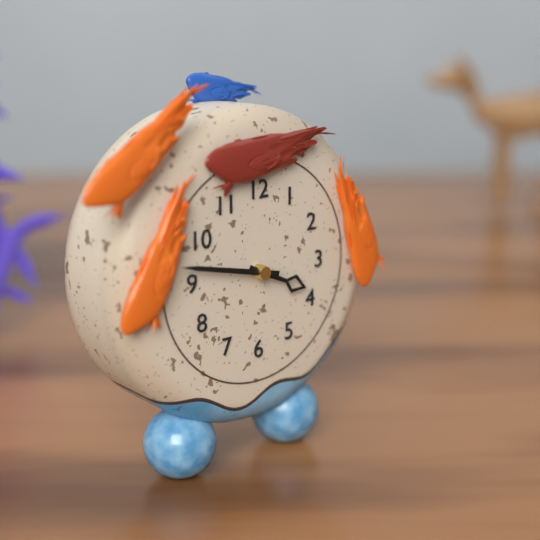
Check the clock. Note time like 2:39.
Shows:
3:47
